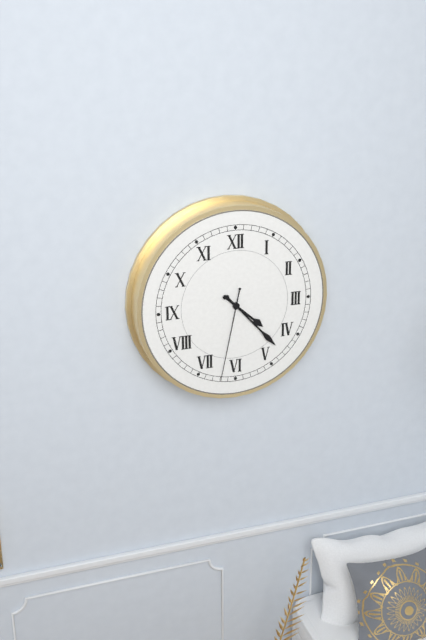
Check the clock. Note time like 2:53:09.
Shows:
4:23:32
